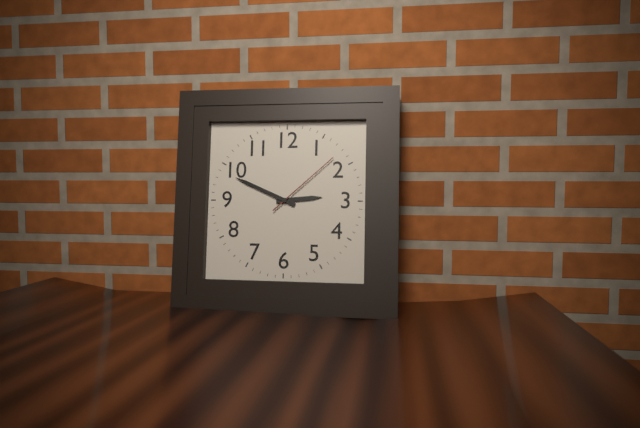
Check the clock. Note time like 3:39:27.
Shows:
2:49:08
